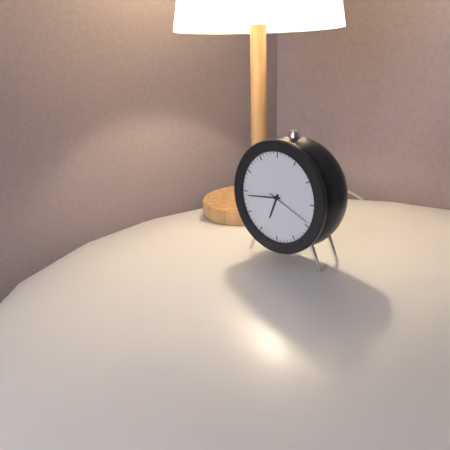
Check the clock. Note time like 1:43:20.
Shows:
6:44:19
